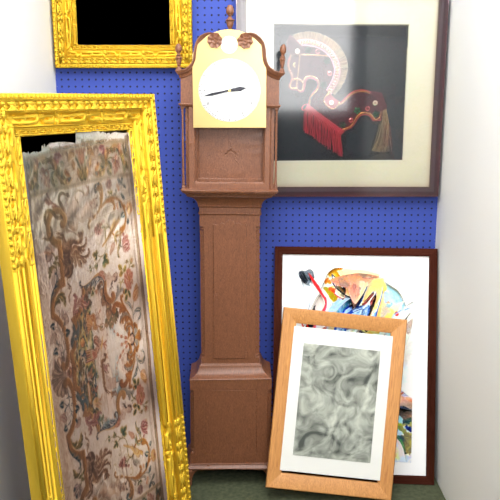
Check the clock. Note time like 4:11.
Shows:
2:43
